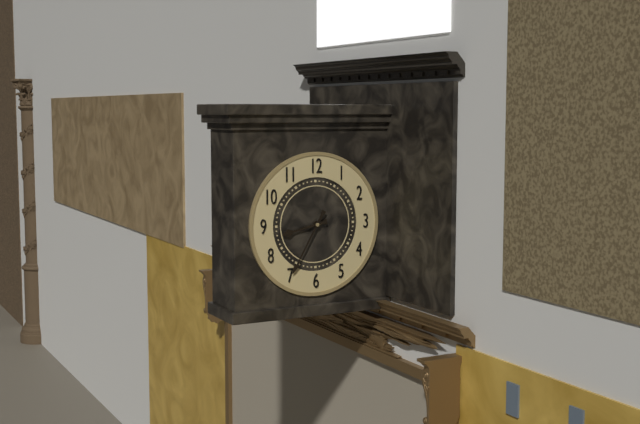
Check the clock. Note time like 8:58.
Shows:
8:35
